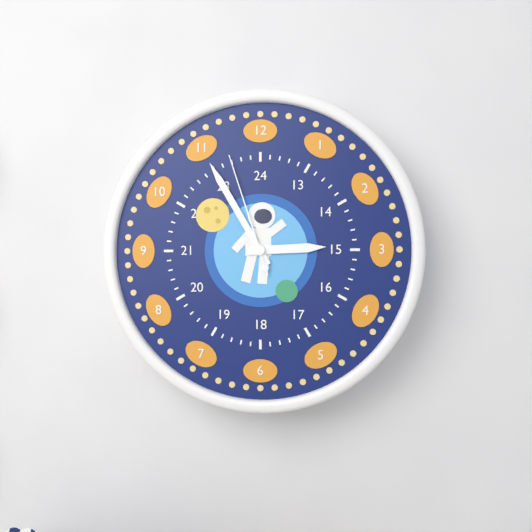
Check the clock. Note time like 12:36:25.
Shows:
2:55:57
